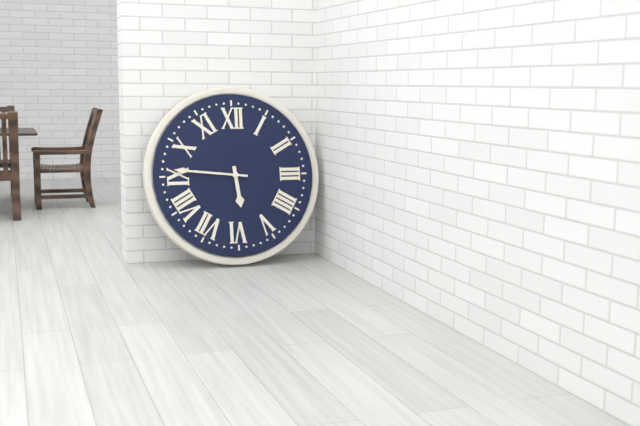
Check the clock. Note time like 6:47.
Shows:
5:46
